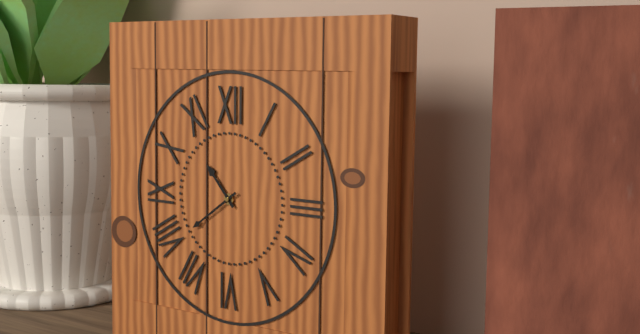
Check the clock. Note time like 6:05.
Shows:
10:39
